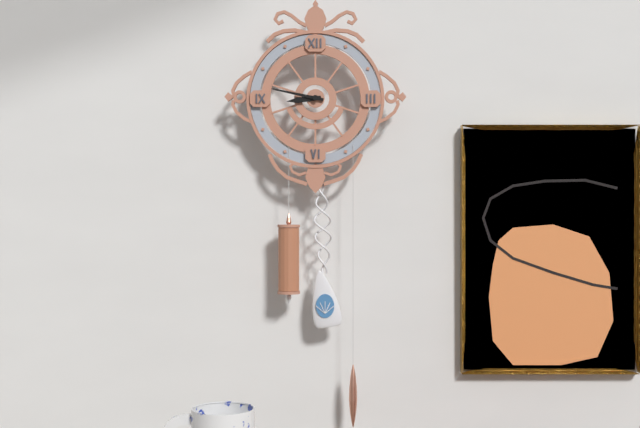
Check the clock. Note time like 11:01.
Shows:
8:47
